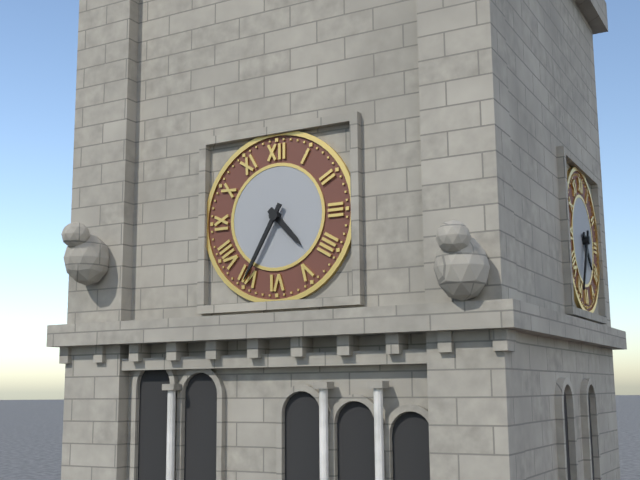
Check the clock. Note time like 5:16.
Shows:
4:35
